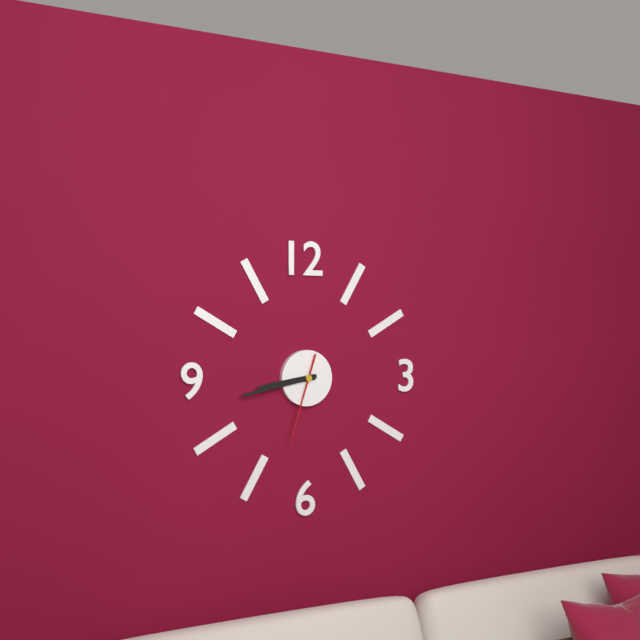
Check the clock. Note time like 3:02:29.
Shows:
8:43:33
